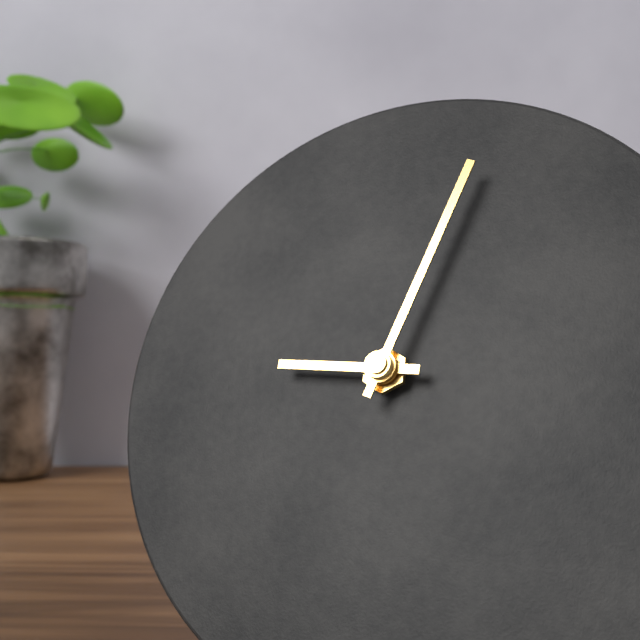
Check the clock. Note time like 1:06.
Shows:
9:03
